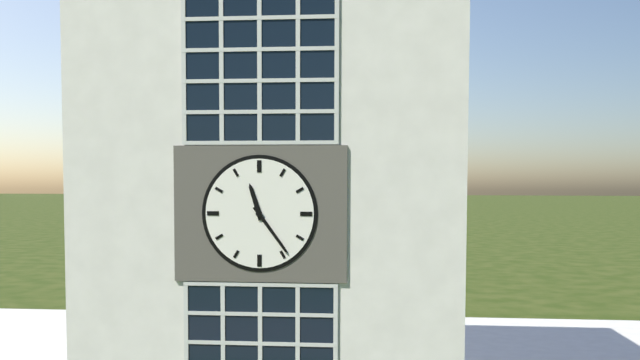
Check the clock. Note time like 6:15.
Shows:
11:24
